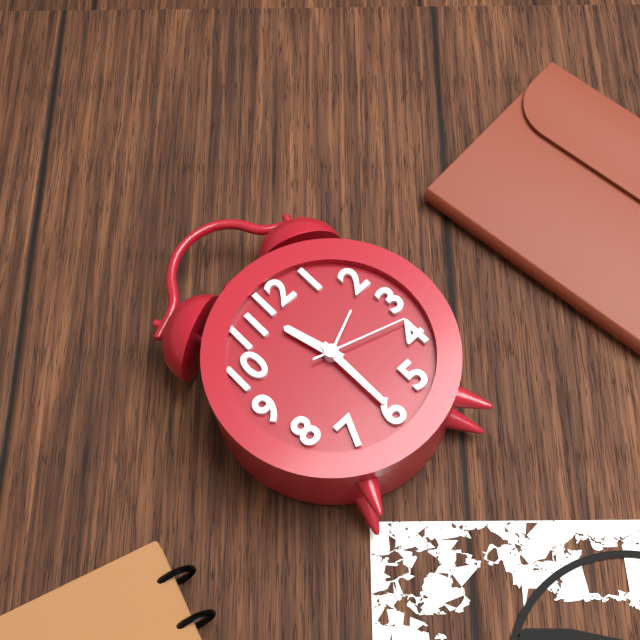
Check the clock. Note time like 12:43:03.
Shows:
11:30:18
